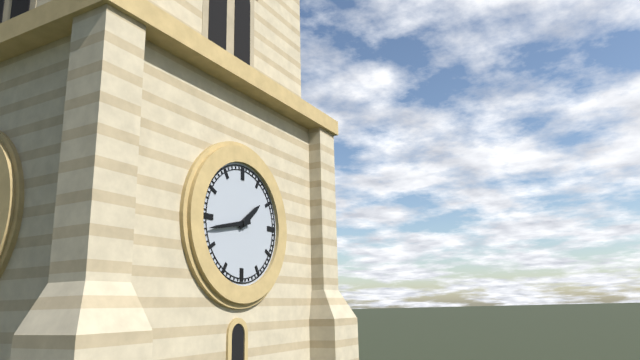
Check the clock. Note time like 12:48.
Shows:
1:43
